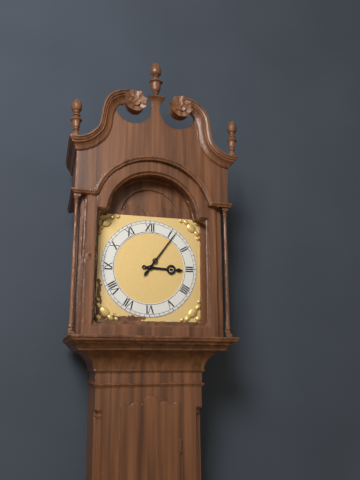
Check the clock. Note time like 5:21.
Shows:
3:06
